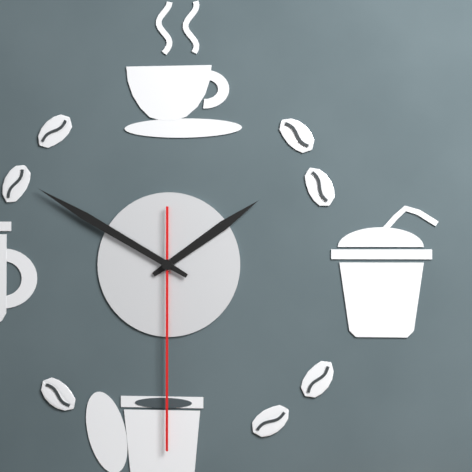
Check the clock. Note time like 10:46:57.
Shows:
1:50:30
